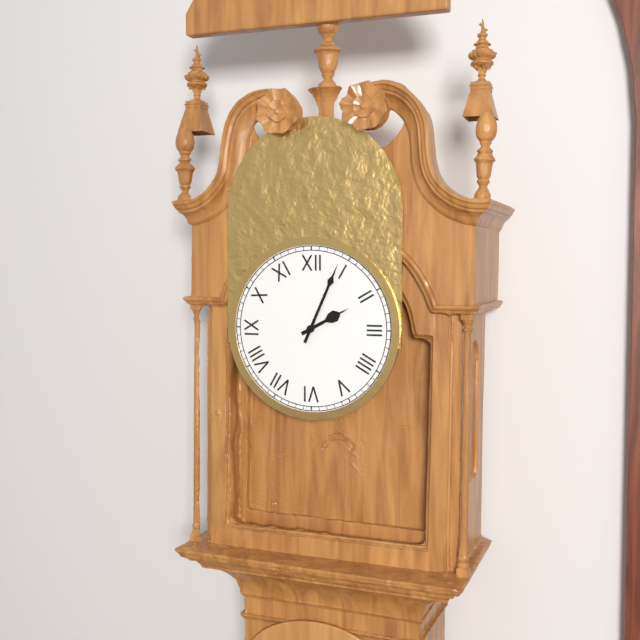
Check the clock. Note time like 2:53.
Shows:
2:04
